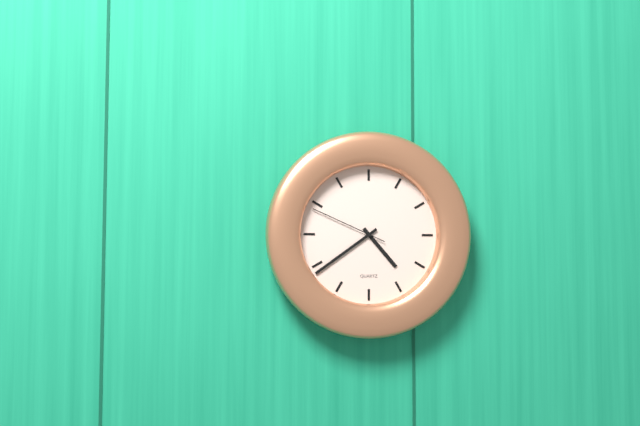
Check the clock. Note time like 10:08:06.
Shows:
4:39:49
